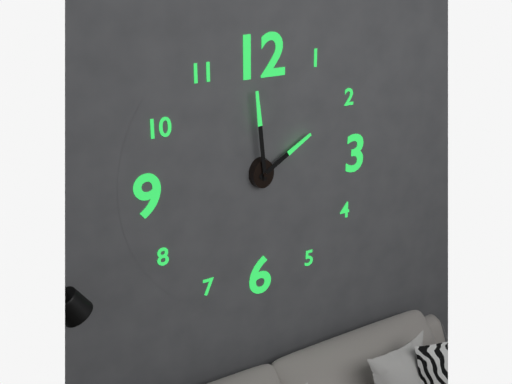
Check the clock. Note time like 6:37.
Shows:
1:59
